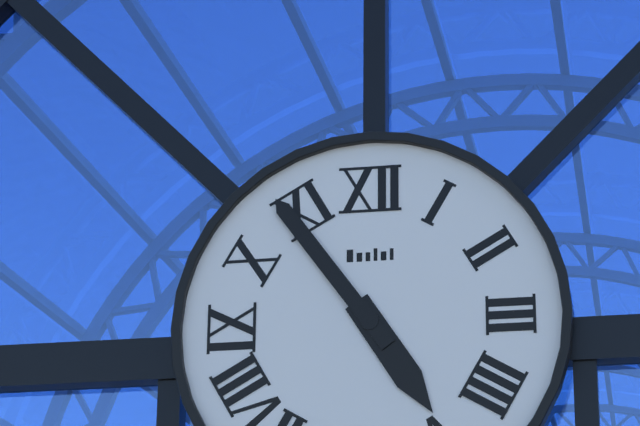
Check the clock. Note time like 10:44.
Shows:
4:54
